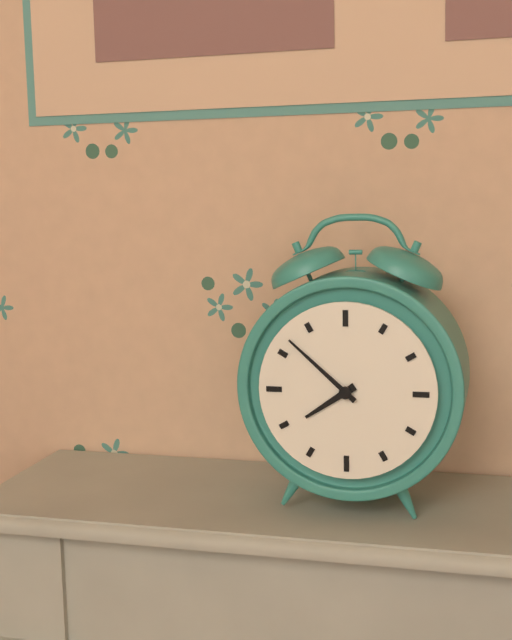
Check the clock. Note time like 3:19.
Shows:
7:52
